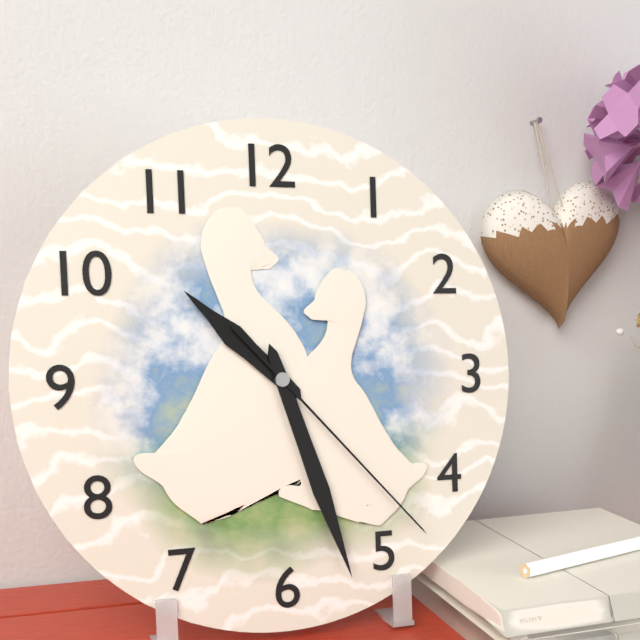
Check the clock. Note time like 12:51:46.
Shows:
10:27:23
